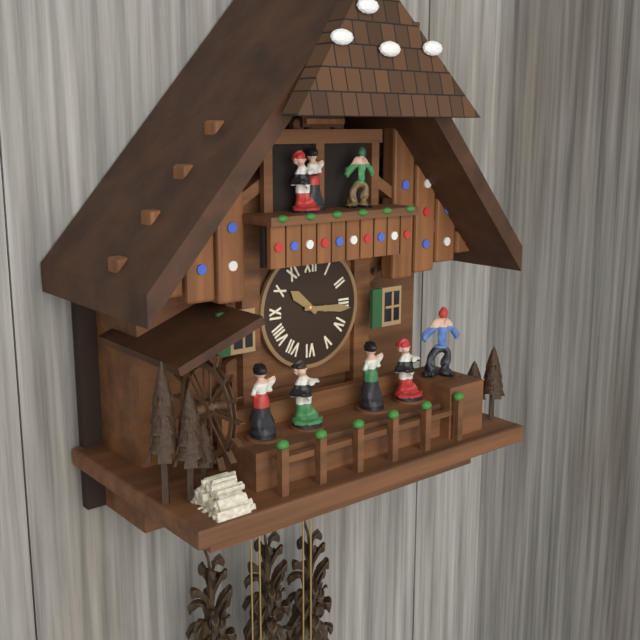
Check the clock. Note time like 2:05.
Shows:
10:16
